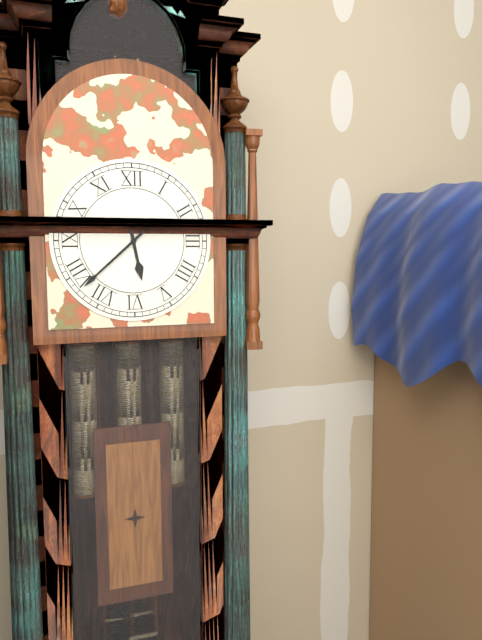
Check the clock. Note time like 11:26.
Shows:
5:38
